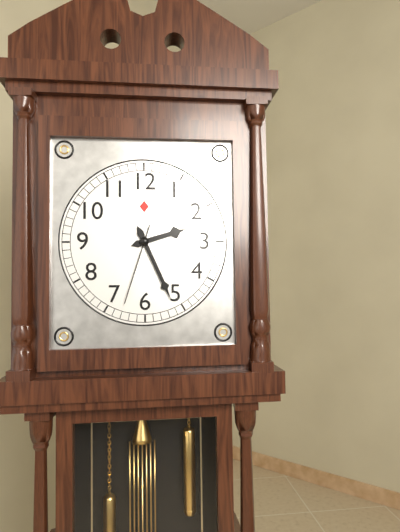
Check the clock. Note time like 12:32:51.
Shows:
2:26:33
